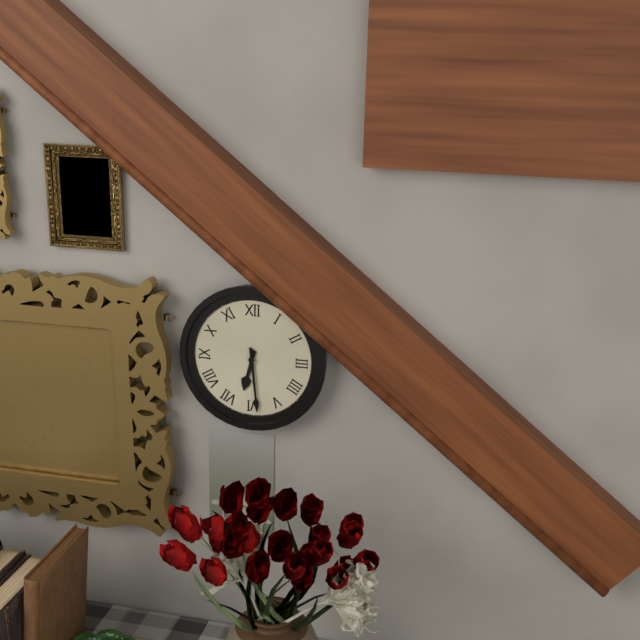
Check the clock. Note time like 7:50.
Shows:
6:29
